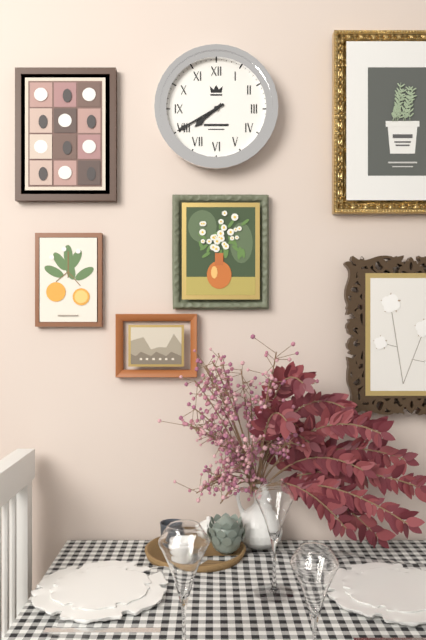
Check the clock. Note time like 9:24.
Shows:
7:40
